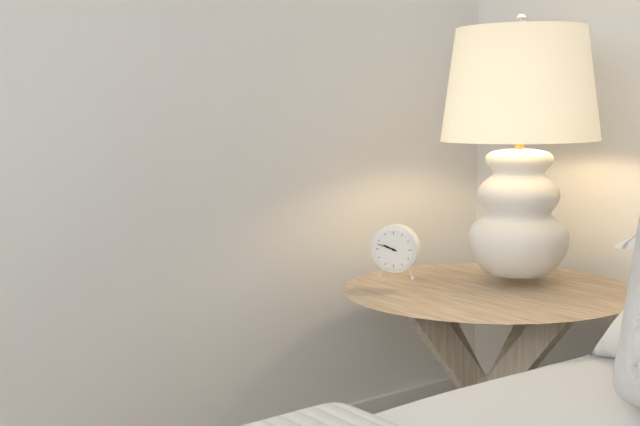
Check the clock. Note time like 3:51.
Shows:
9:48
